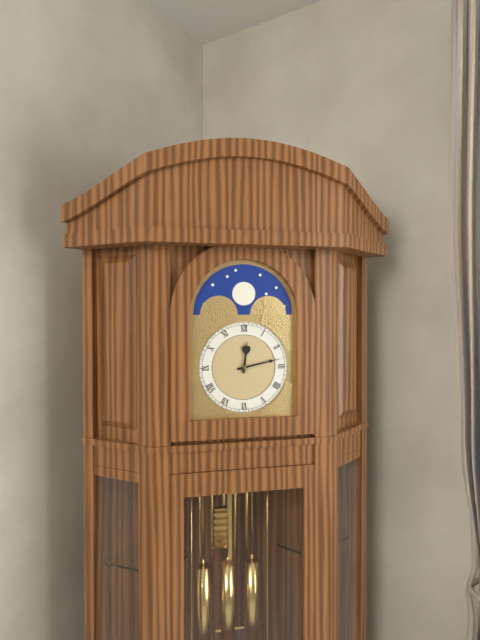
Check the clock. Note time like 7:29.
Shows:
12:13
